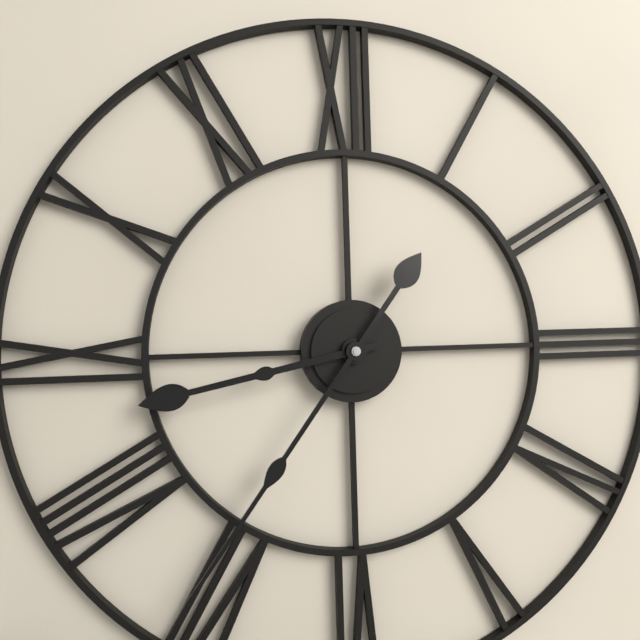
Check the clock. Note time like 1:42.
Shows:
8:36
